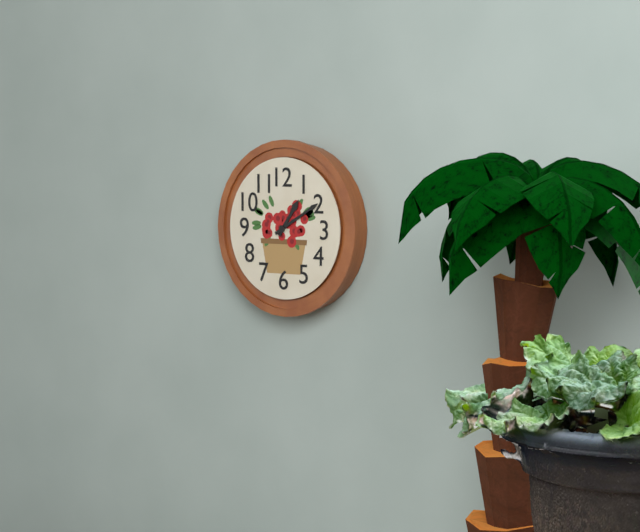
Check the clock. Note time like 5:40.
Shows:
1:10
